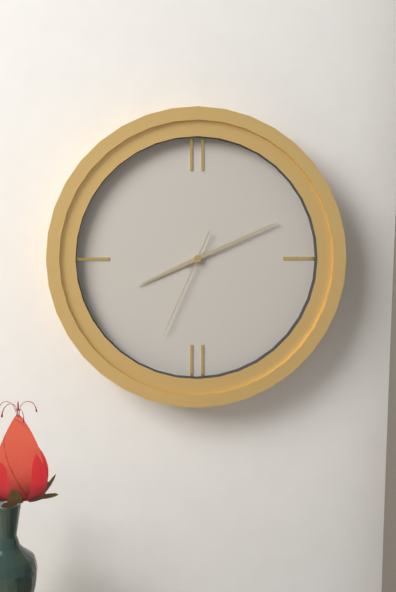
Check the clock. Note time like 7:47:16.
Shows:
8:11:34
